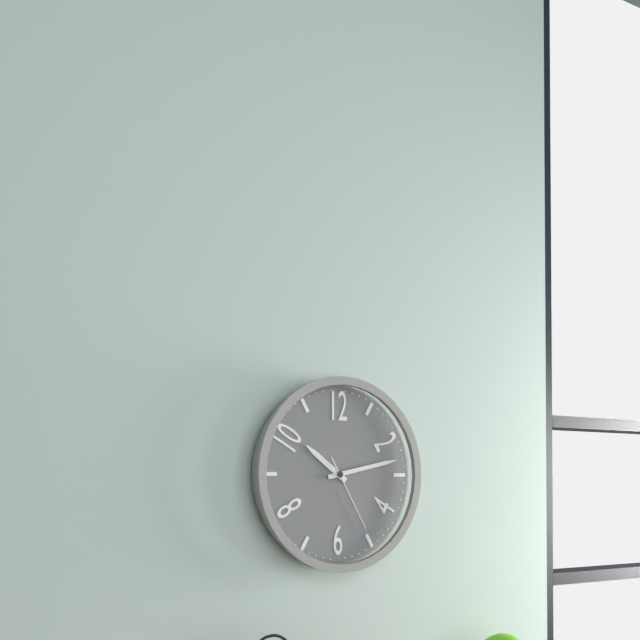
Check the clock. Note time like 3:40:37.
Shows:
10:13:25
